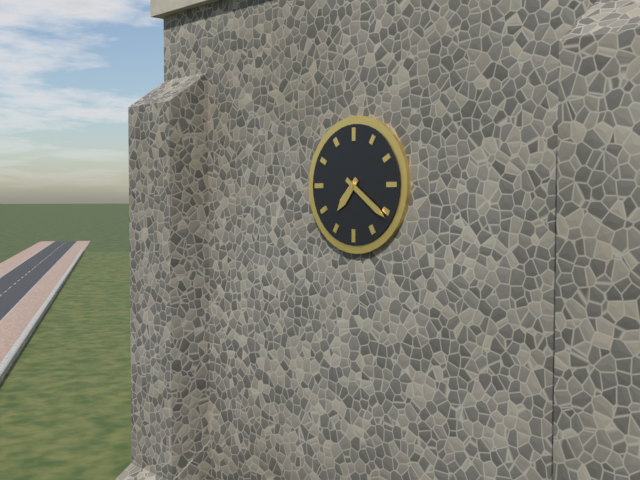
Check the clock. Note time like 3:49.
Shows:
7:21
